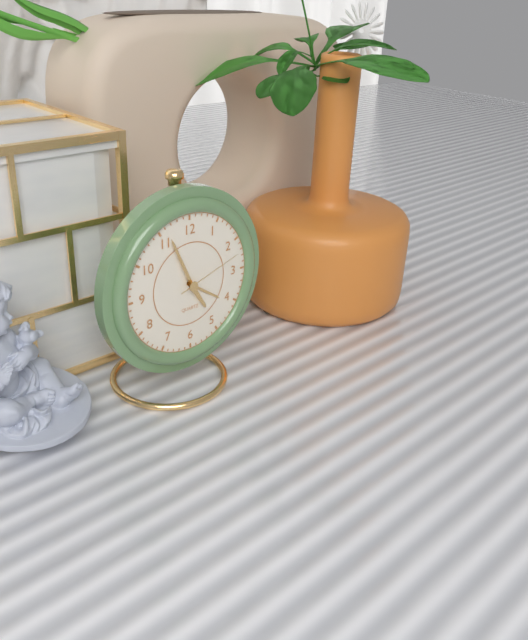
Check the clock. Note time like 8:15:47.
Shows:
4:56:12
